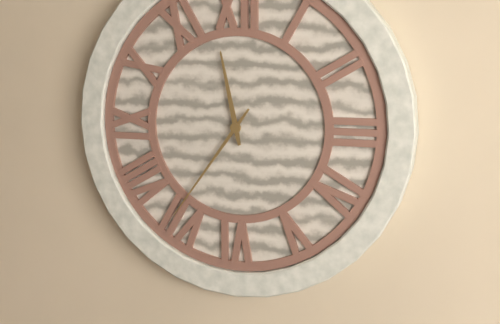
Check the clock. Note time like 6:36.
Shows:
11:36
